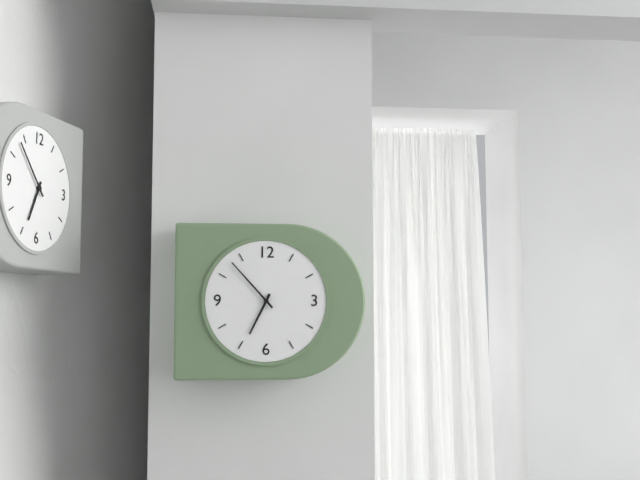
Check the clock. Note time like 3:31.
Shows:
6:53
